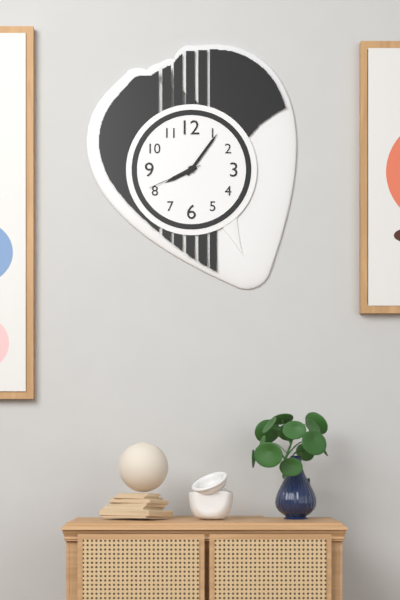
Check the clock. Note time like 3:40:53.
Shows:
8:06:41
